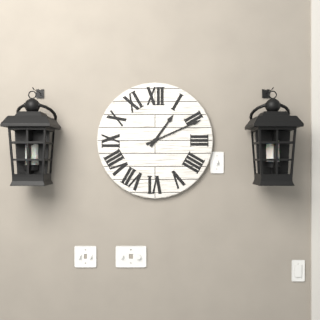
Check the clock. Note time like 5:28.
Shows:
1:11
